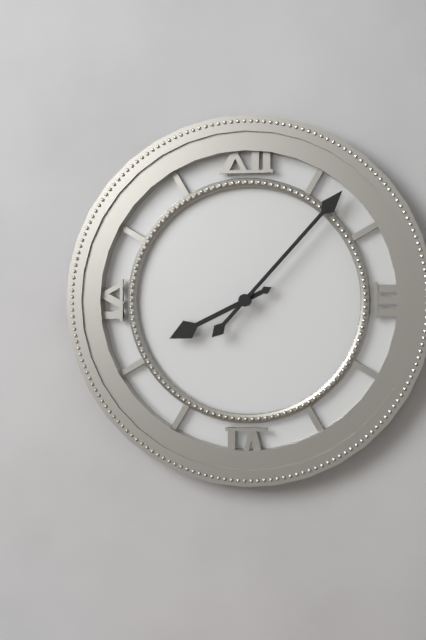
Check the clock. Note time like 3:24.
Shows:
8:07
